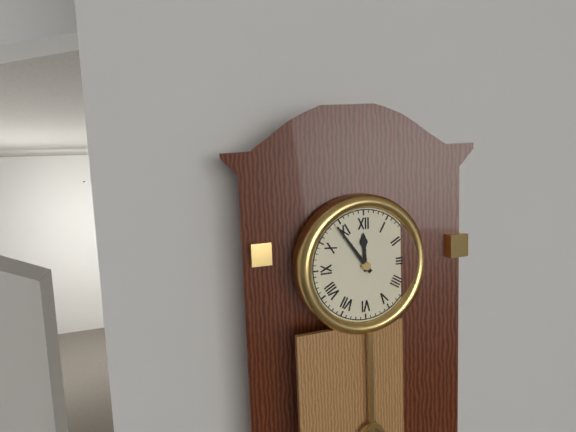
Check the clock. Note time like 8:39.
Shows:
11:54
